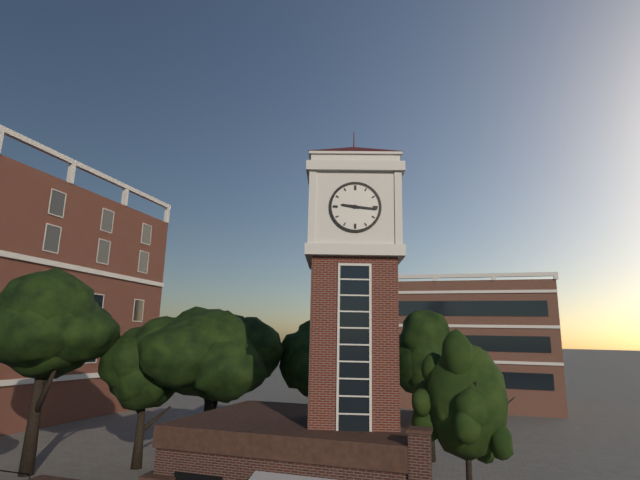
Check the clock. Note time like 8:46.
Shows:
9:16
